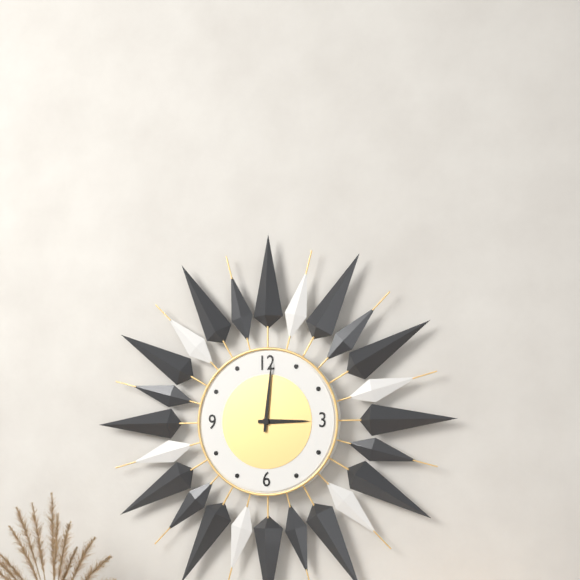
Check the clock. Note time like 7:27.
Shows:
3:01
